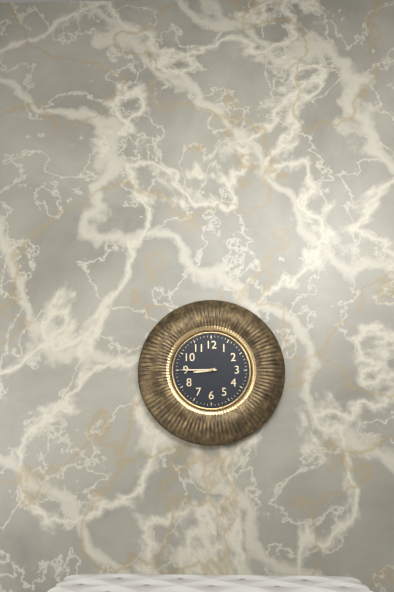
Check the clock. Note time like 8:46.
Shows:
8:45
